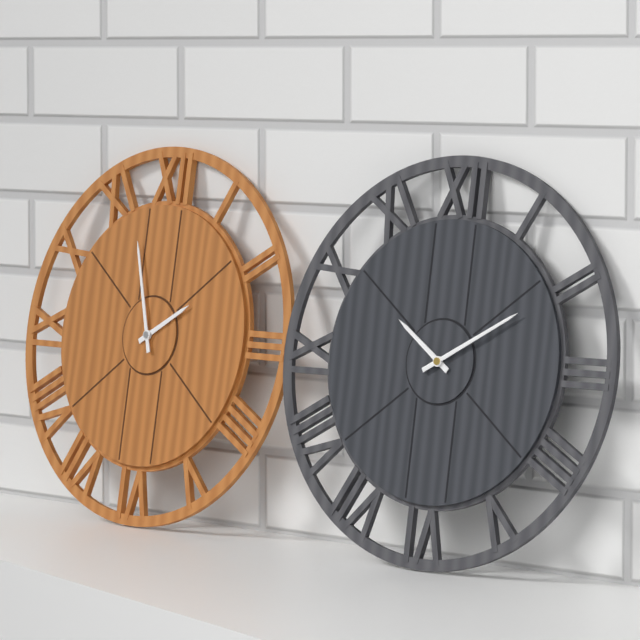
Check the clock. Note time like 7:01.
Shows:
1:57
